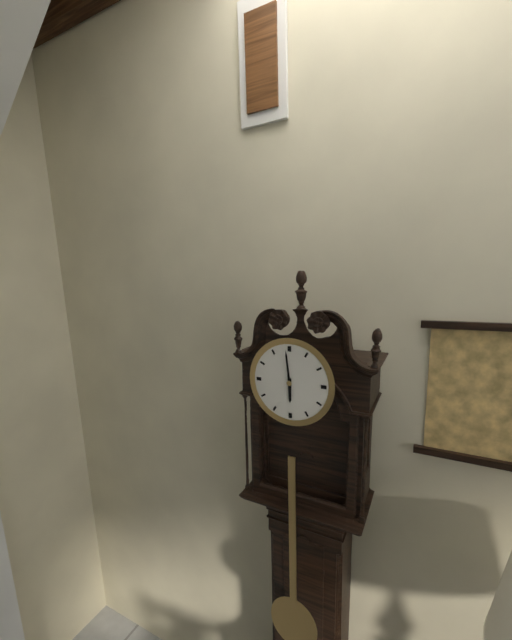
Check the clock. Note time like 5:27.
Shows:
5:59
